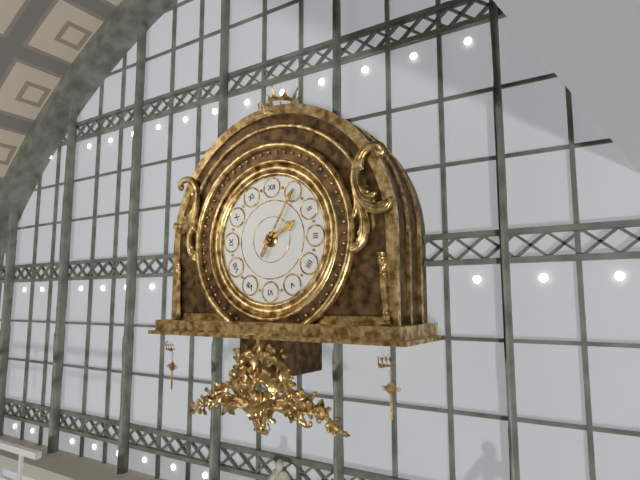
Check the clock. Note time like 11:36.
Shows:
2:05
